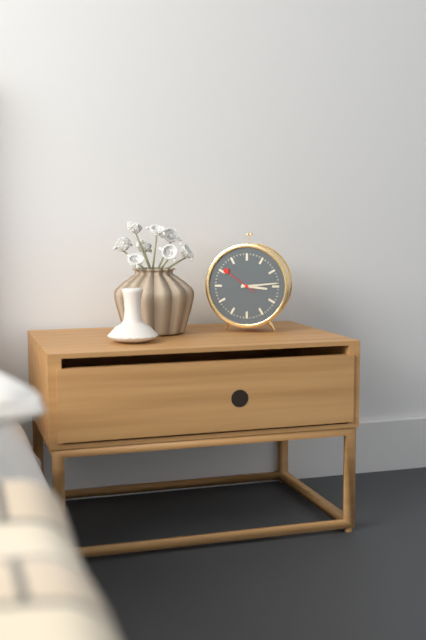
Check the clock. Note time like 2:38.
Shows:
3:14
